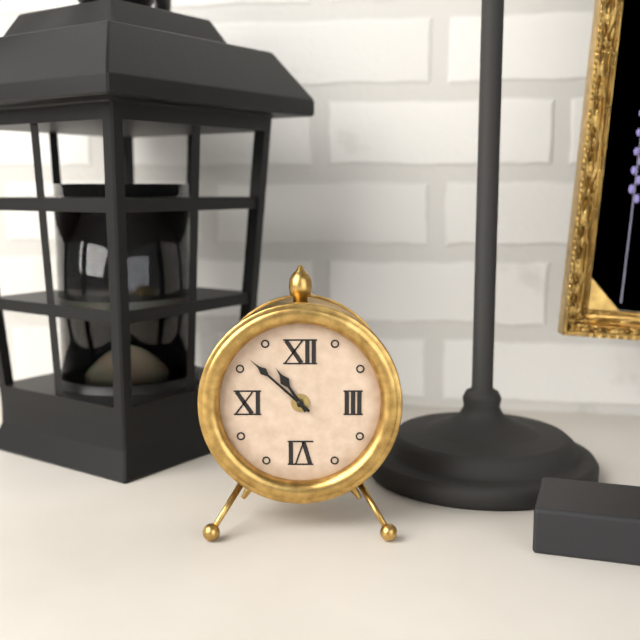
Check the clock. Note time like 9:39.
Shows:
10:52
